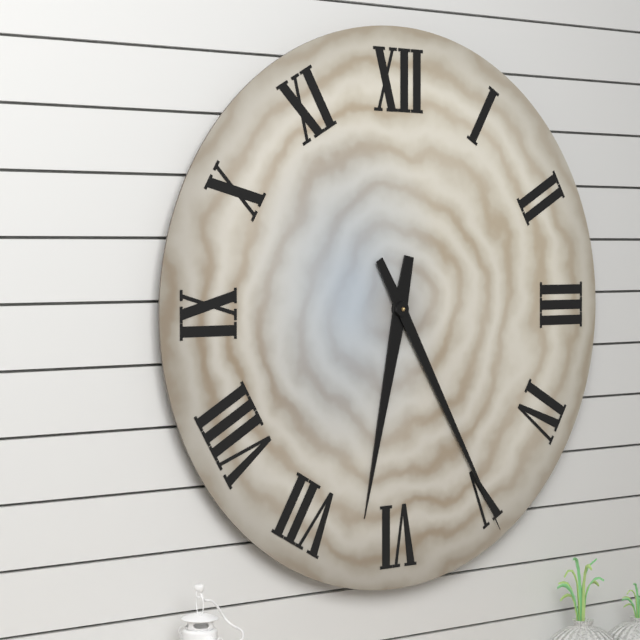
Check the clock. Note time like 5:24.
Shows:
6:25
